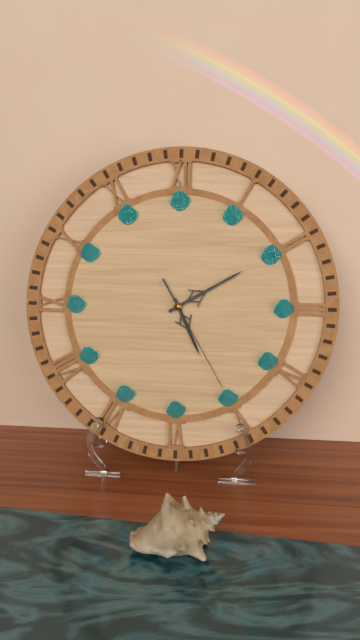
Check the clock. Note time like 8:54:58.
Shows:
5:10:25
